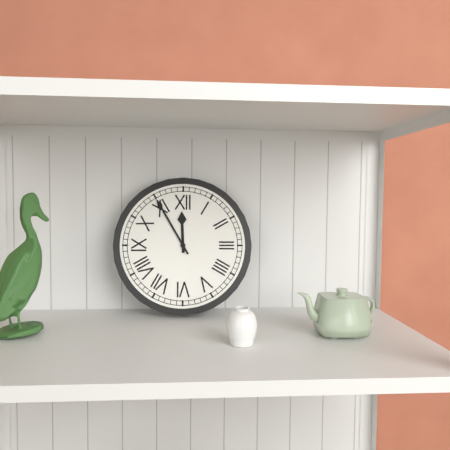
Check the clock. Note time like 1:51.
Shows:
11:55
